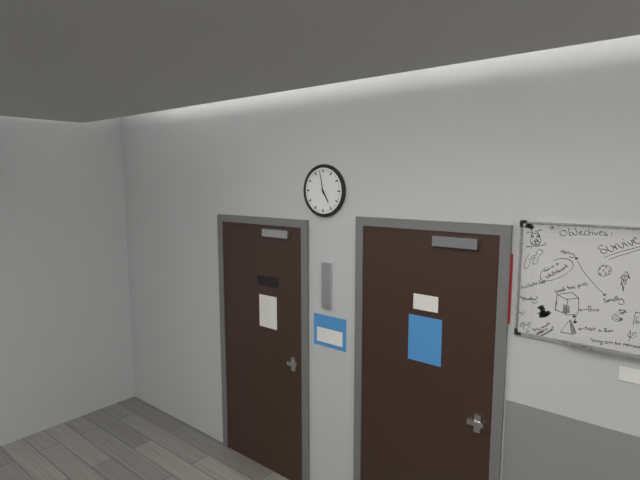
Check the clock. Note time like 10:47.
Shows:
4:58
